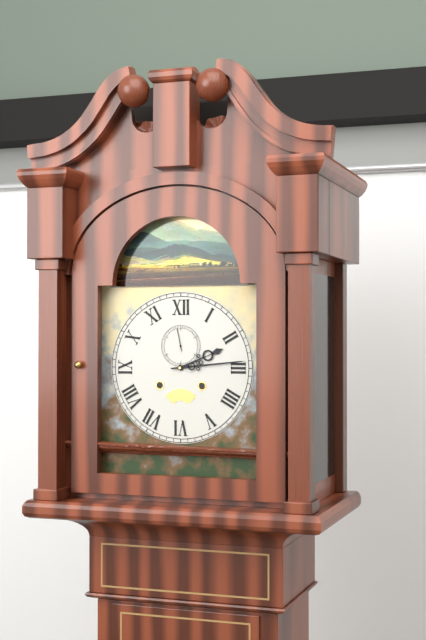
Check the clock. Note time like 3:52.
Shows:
2:14
